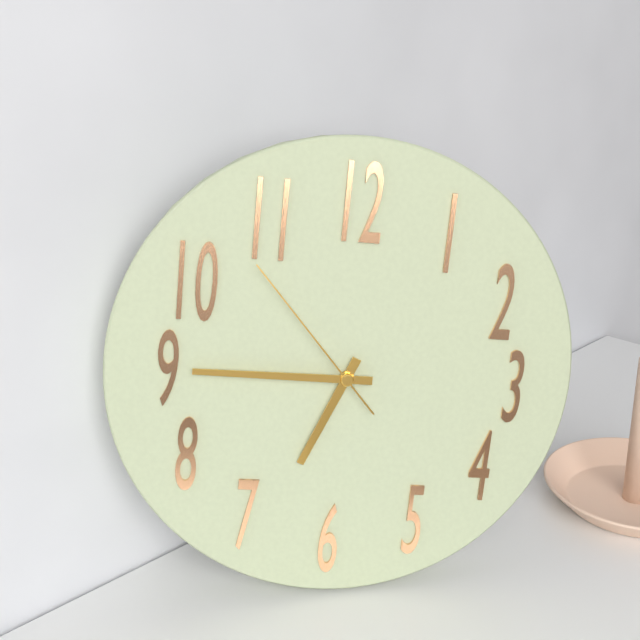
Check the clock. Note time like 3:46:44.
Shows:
6:45:53
